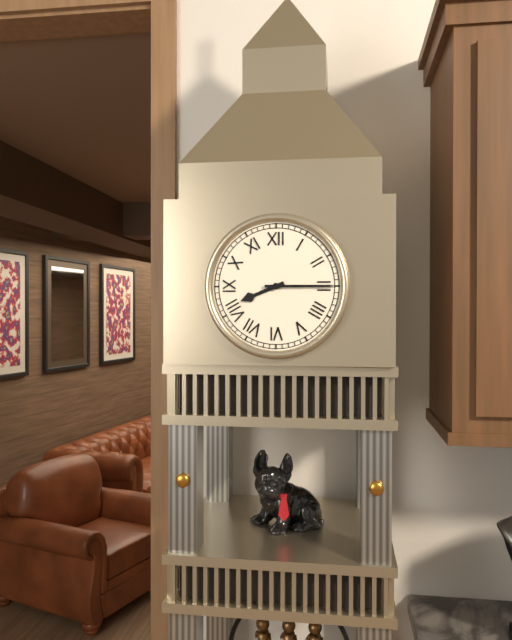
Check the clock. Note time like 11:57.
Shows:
8:15
